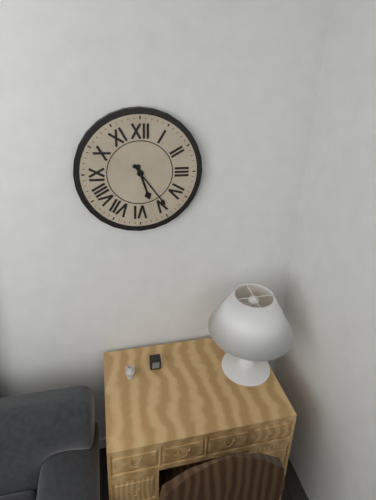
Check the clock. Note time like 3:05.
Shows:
5:24
